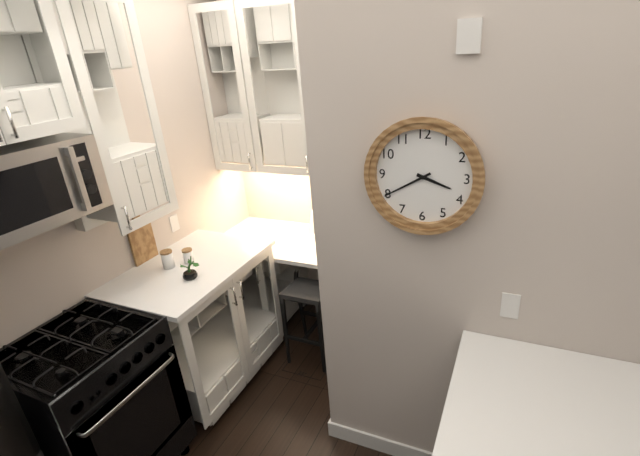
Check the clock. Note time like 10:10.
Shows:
3:40
